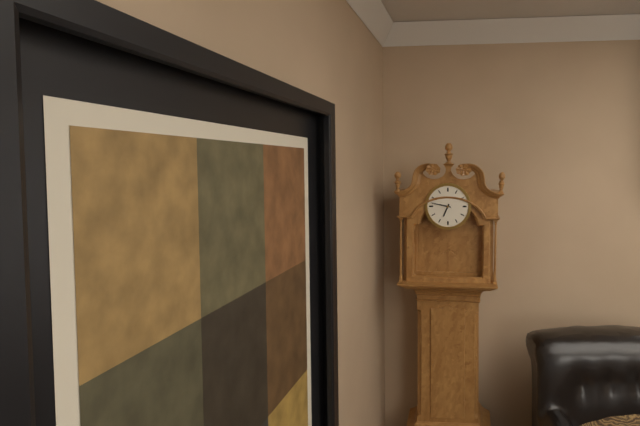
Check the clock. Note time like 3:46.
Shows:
6:47
